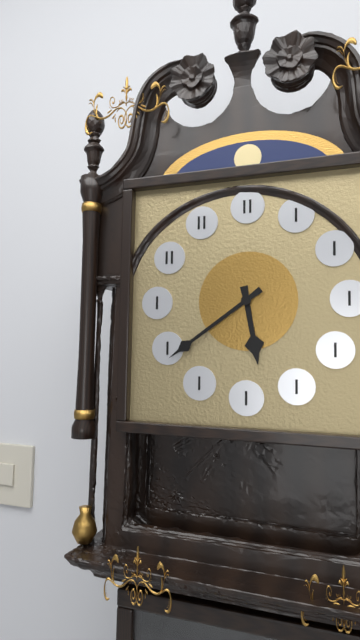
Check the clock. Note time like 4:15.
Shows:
5:39
